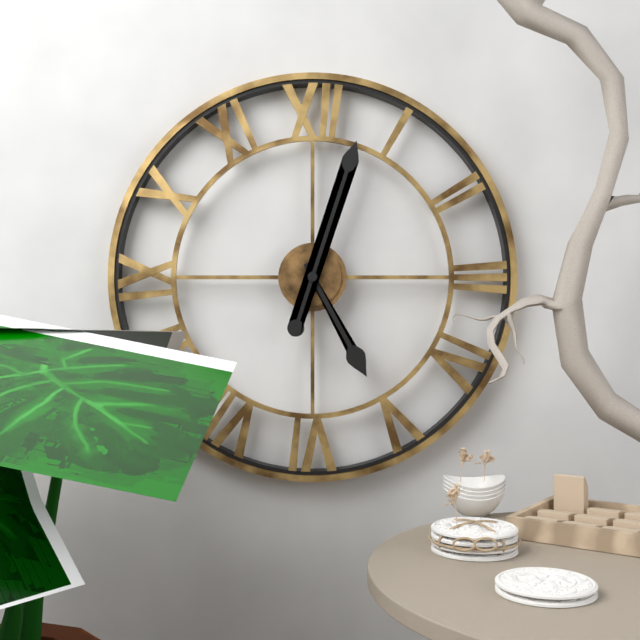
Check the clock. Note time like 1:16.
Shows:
5:03
